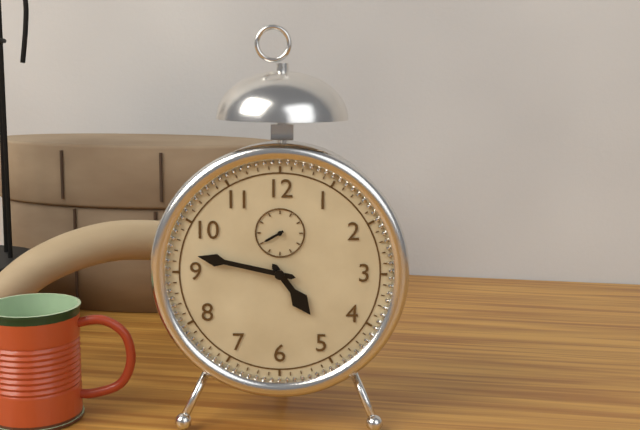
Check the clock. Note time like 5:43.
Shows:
4:47
